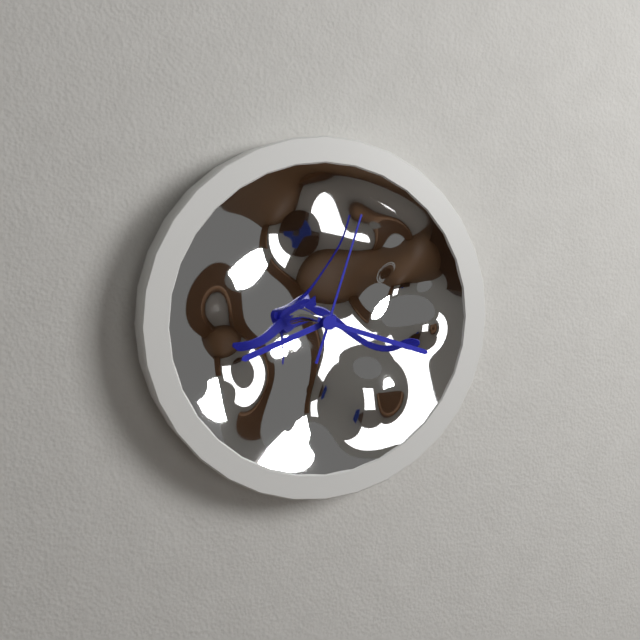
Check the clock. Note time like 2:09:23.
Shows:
8:18:03
